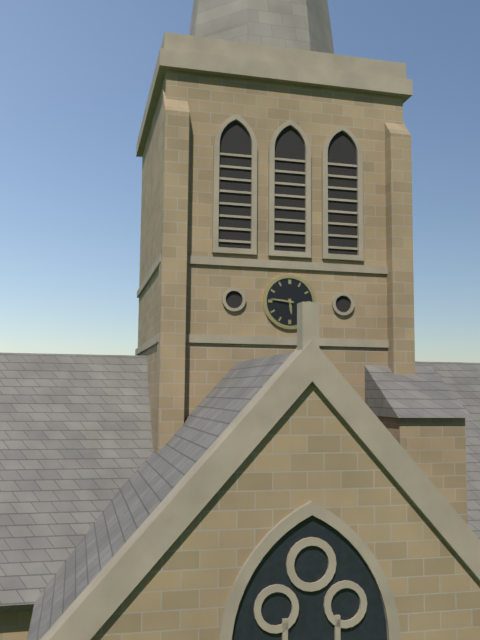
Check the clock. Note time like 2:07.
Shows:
5:46
